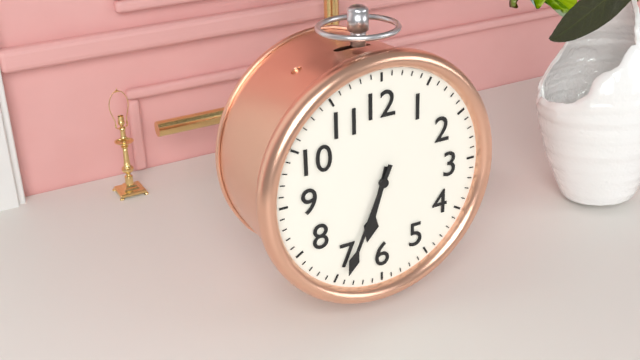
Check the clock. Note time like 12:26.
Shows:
6:34
